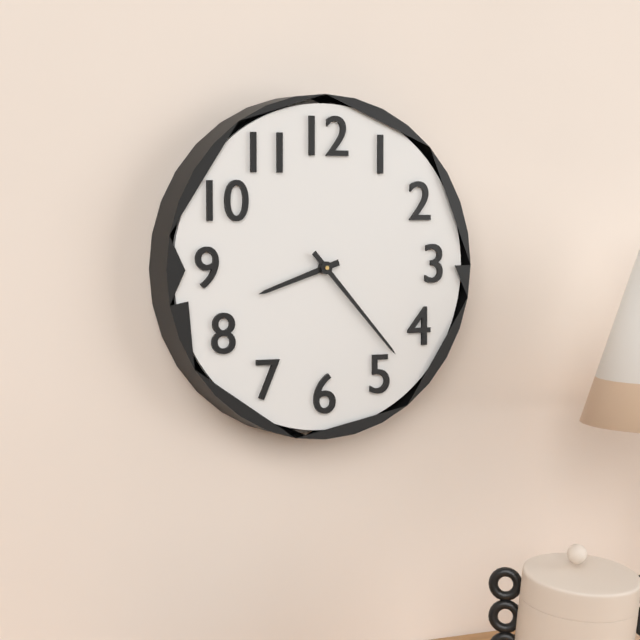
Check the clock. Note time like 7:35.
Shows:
8:23
